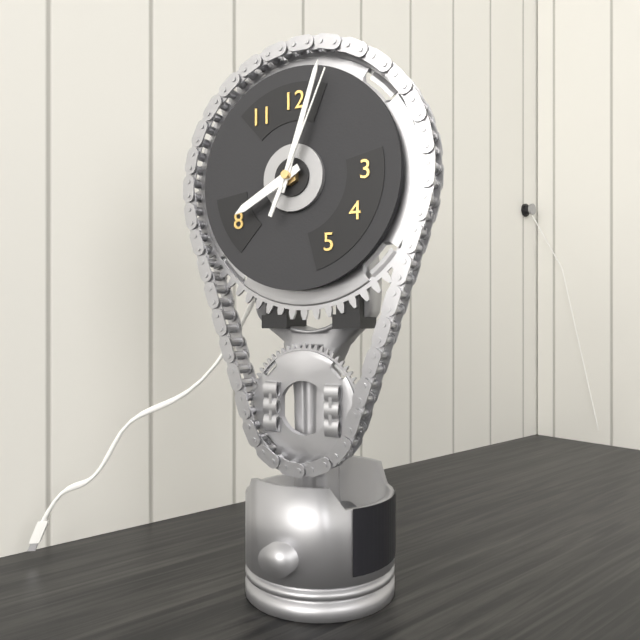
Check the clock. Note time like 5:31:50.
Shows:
8:03:04
